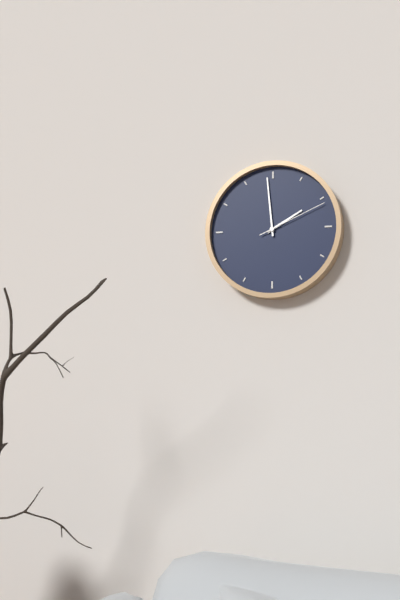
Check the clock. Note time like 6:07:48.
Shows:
1:59:11
